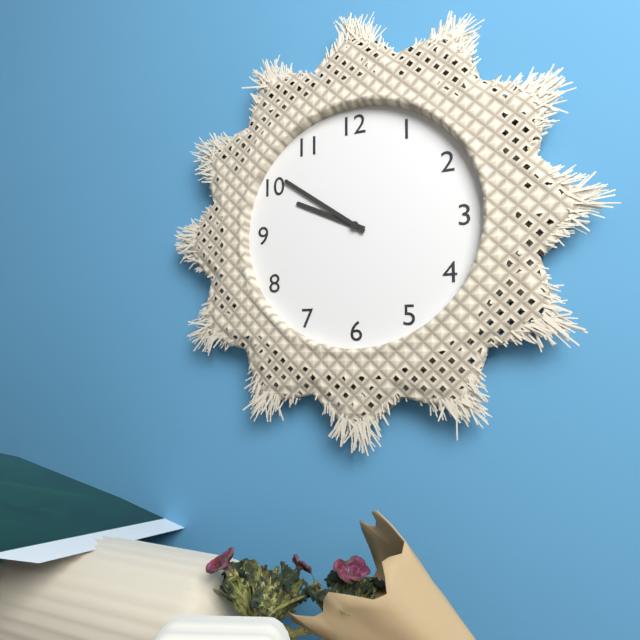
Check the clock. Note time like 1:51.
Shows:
9:51
